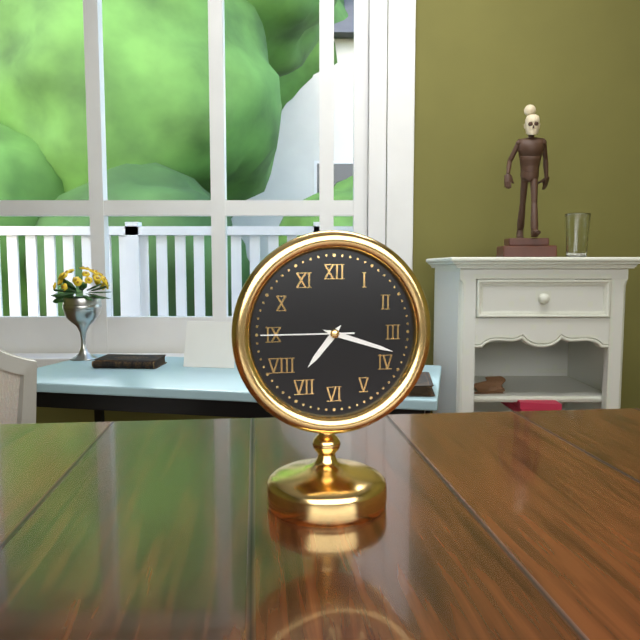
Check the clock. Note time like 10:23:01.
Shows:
7:18:45
